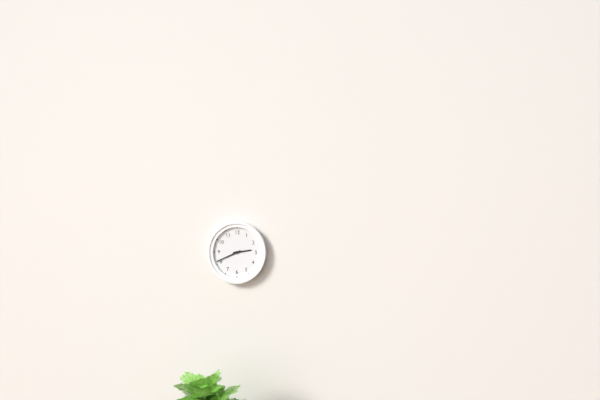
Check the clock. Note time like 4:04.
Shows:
2:41
